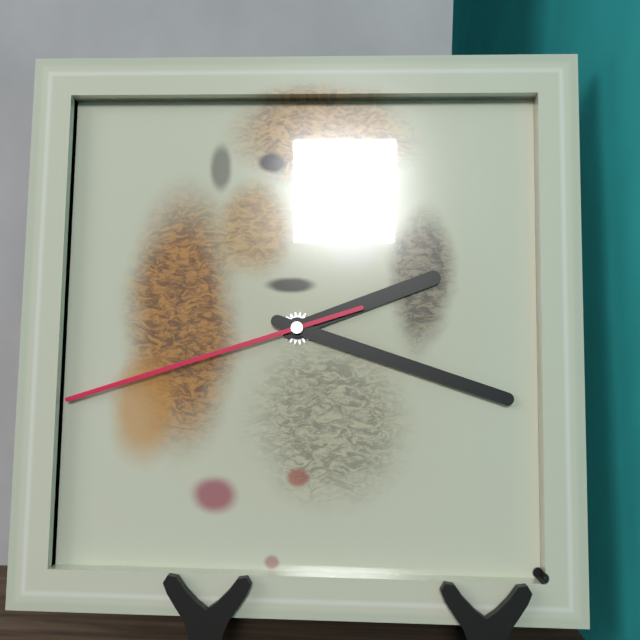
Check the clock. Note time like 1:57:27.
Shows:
2:18:42
